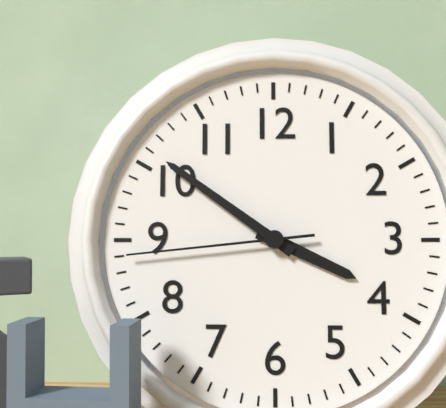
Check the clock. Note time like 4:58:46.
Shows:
3:51:44
